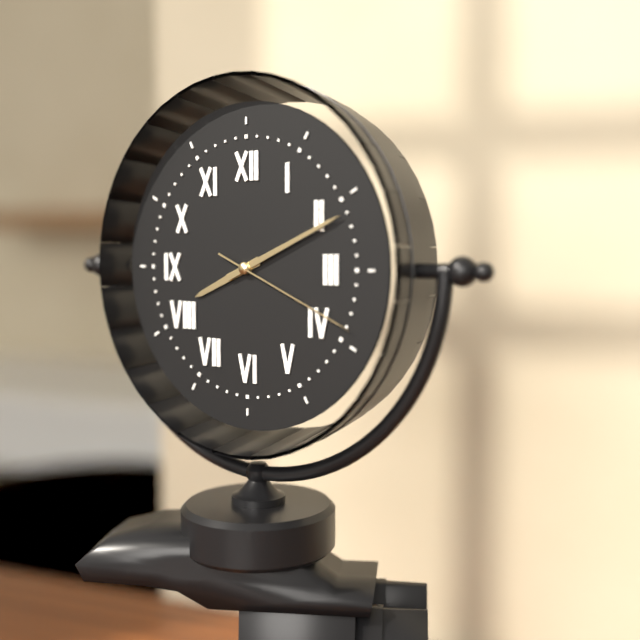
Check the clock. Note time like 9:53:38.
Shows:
8:11:19
